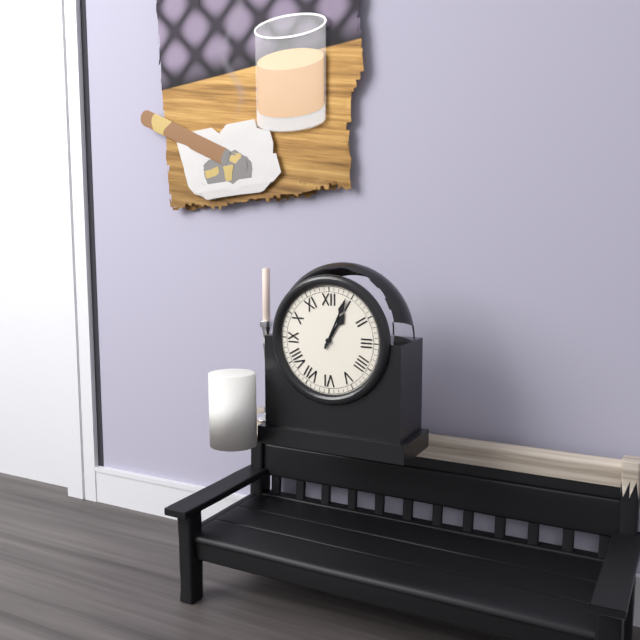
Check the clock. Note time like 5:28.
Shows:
1:04
